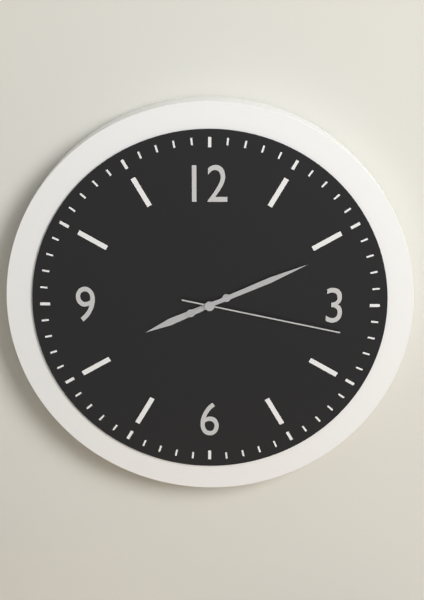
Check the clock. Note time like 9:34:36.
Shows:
8:11:17
